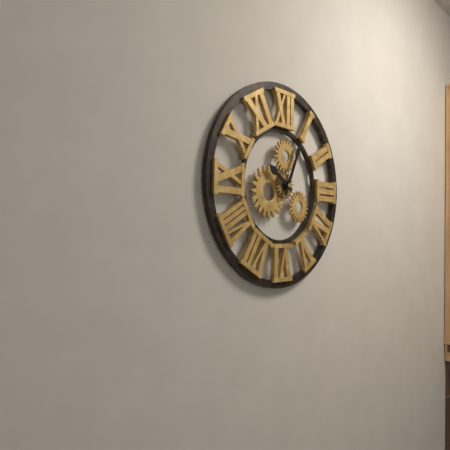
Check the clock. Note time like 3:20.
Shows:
10:04
